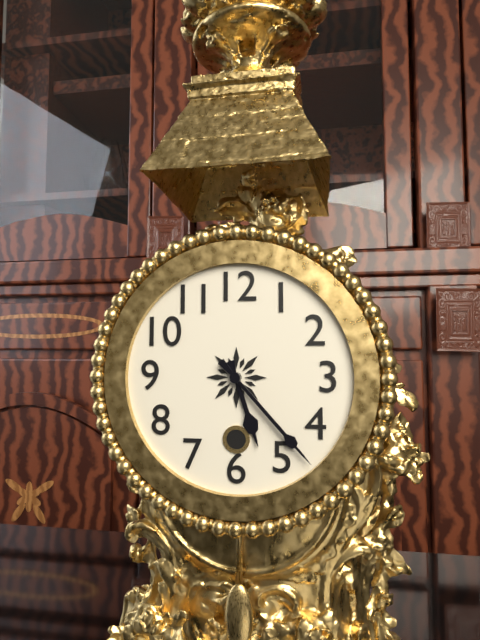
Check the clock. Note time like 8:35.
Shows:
5:23
